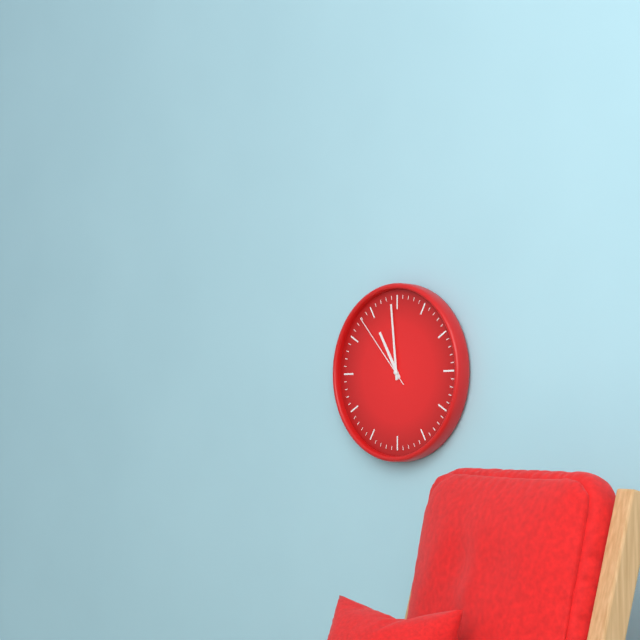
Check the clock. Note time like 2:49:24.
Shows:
10:59:53
